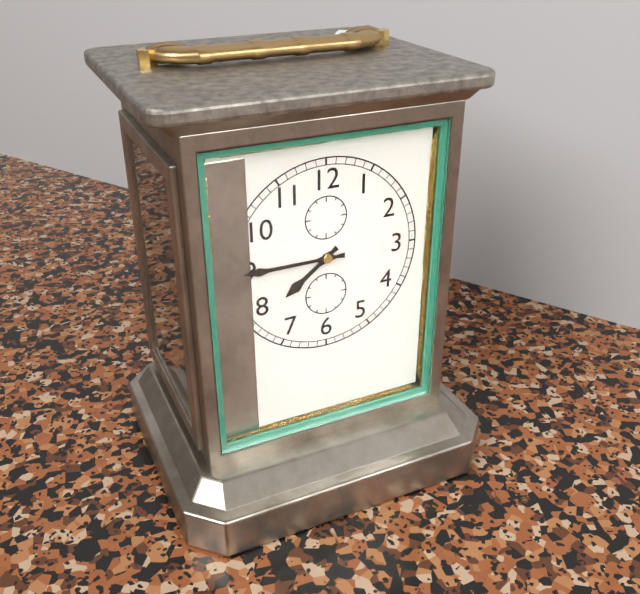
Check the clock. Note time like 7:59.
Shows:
7:45
